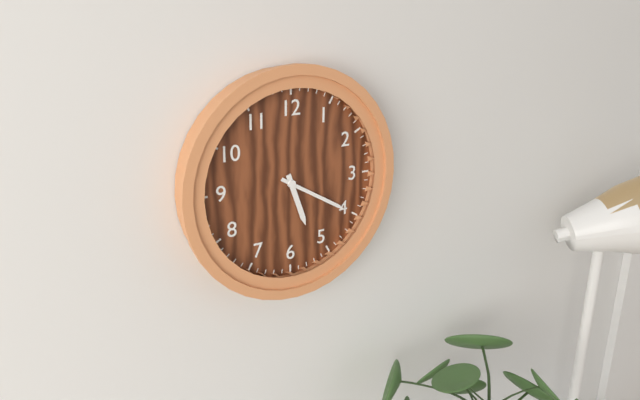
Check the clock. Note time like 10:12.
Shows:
5:20
